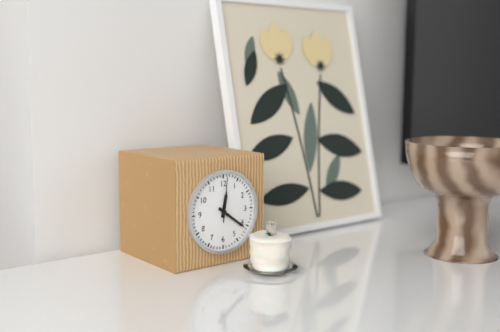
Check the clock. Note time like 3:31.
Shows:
12:21
